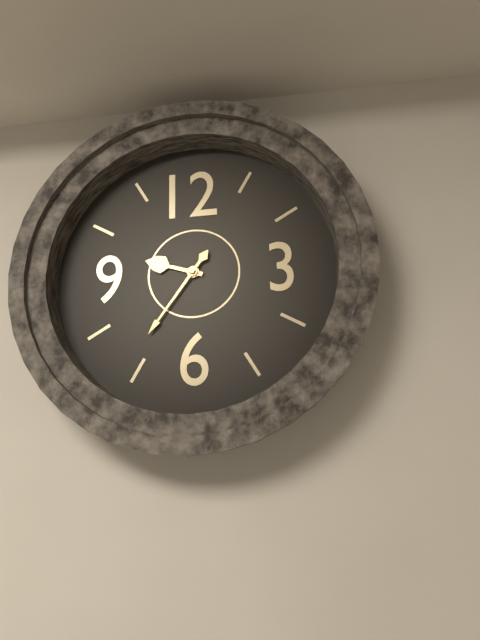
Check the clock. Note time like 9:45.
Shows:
9:36
